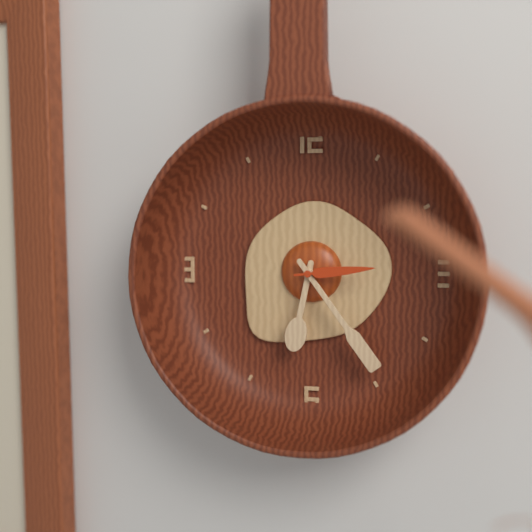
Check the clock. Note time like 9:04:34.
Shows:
6:24:14
